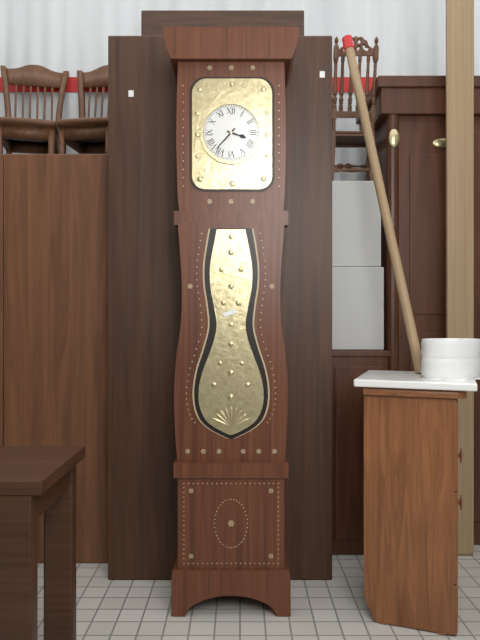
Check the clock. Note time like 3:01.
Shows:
3:37
